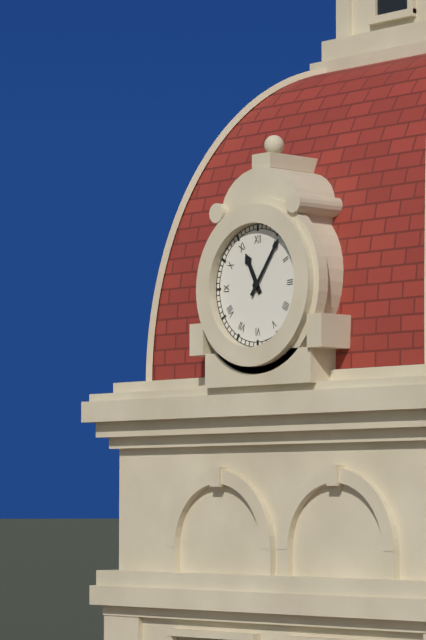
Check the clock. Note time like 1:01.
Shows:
11:06
